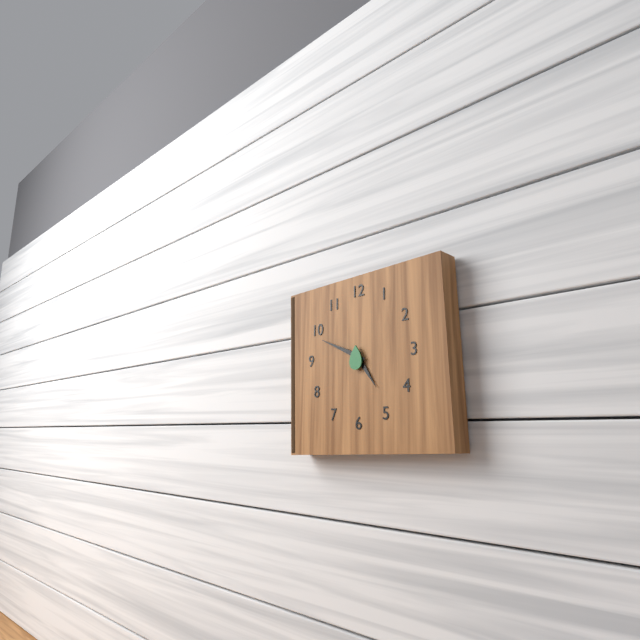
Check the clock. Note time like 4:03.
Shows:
4:49
